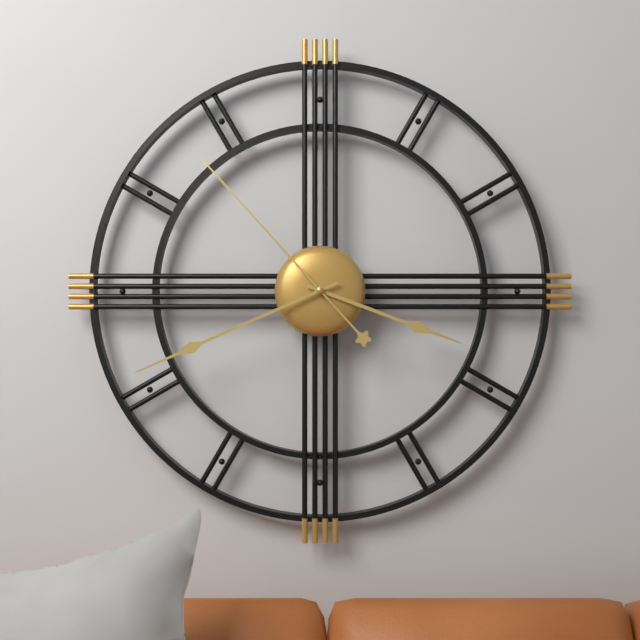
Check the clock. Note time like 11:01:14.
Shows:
3:41:53
